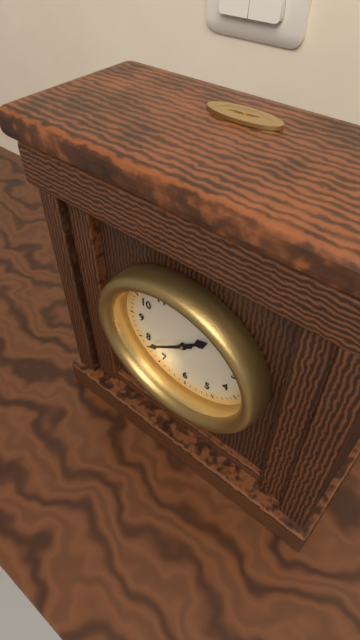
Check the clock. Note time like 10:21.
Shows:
1:39
